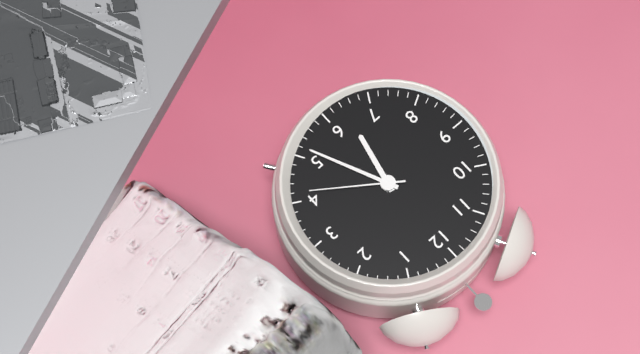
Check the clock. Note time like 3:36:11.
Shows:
6:26:21
